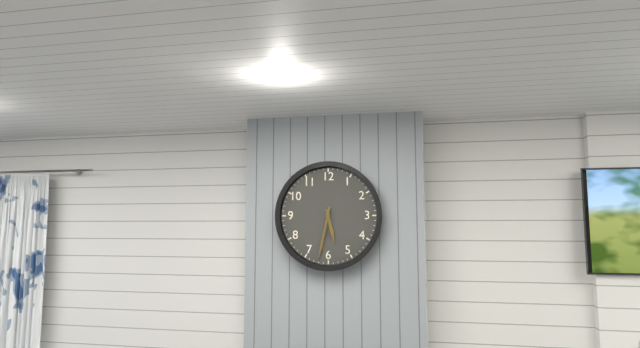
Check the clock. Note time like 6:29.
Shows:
5:32
